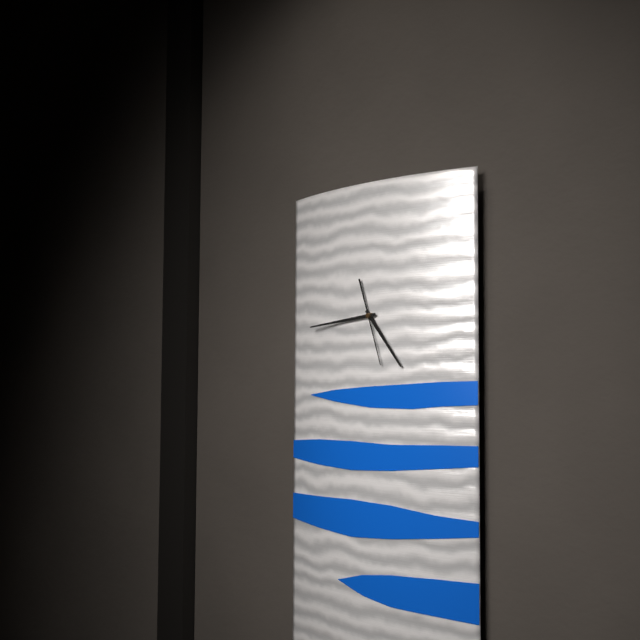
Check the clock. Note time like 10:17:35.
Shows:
4:44:27
